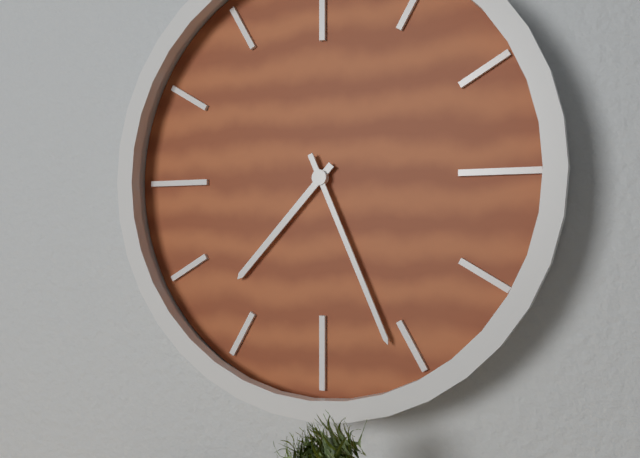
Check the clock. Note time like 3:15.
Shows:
7:26
